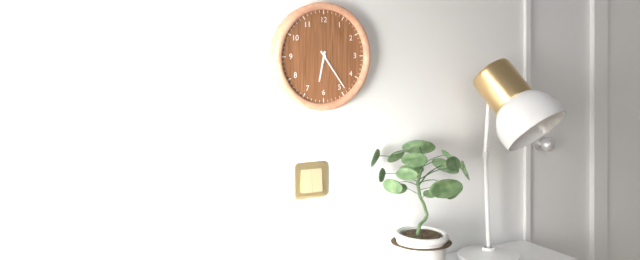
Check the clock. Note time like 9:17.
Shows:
6:24
